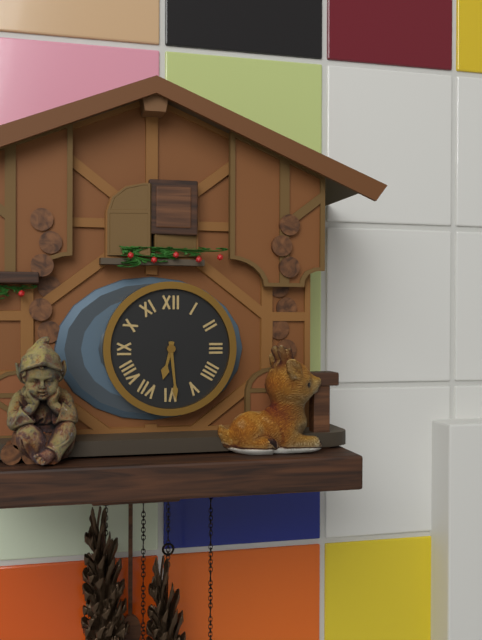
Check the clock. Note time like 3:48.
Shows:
6:29
